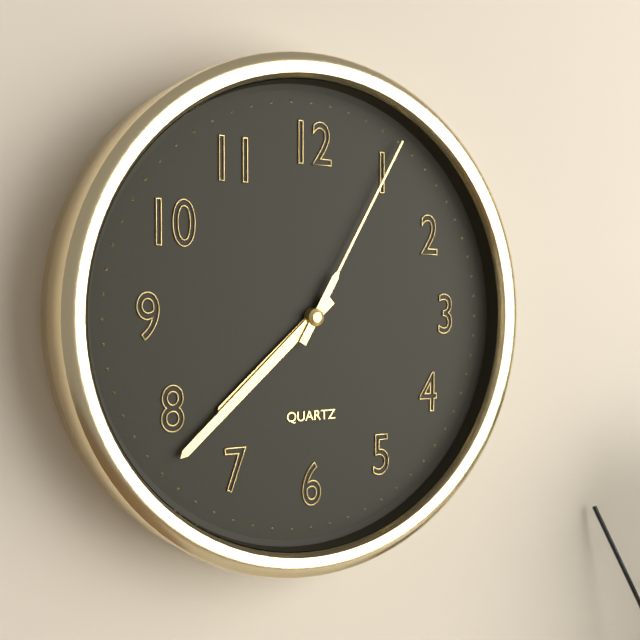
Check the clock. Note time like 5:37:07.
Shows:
7:38:05
